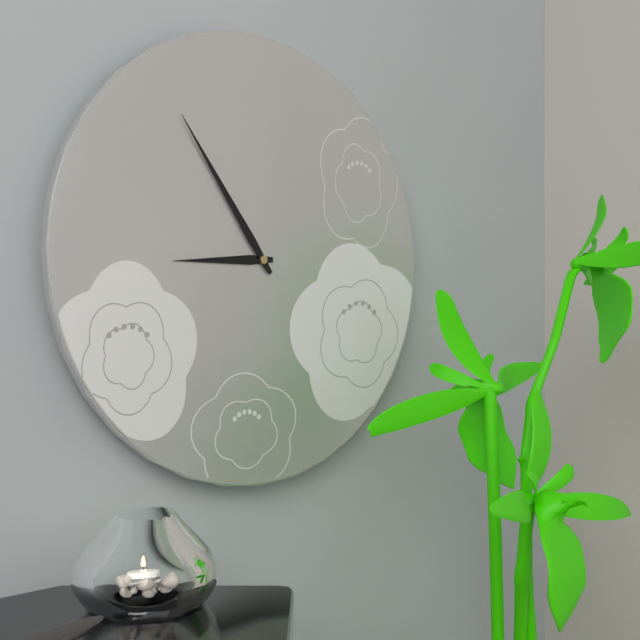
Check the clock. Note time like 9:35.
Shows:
8:54
